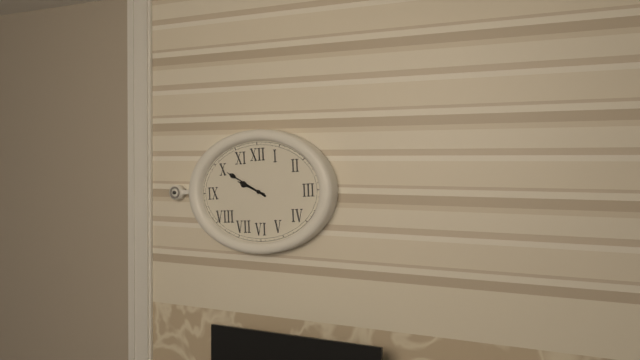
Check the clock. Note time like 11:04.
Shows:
9:50
